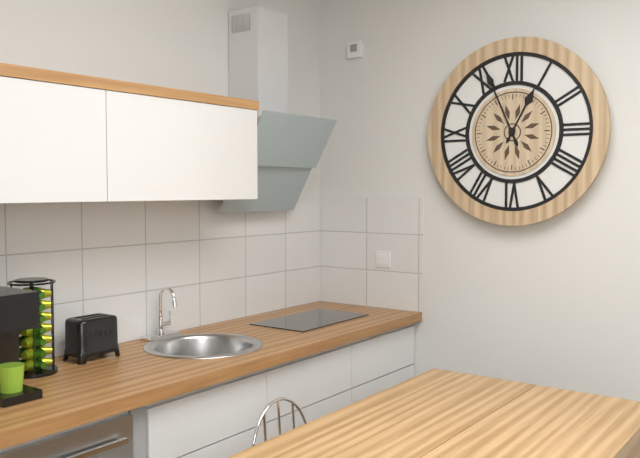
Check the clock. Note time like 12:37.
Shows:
12:56
